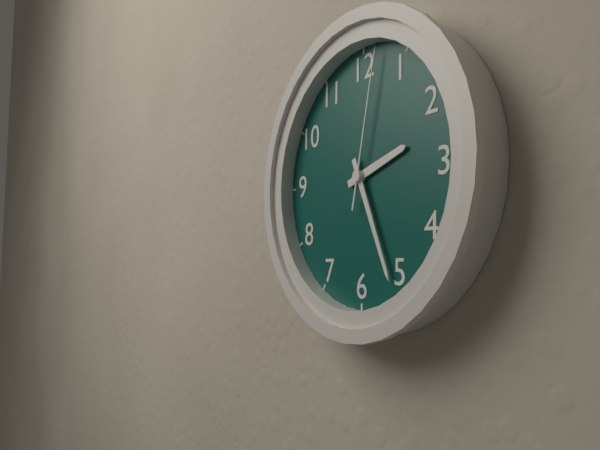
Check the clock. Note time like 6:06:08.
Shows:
2:26:02
